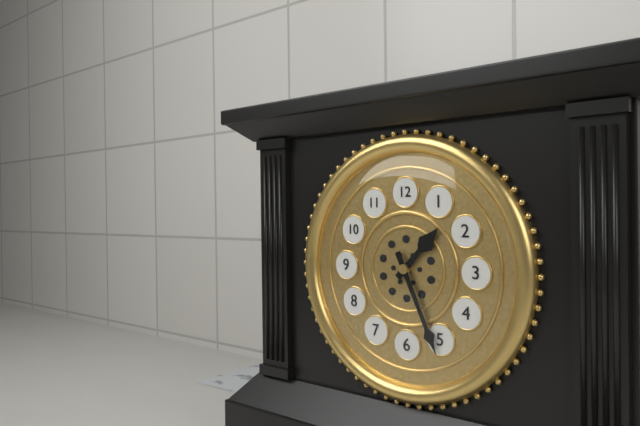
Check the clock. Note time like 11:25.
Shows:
1:26
